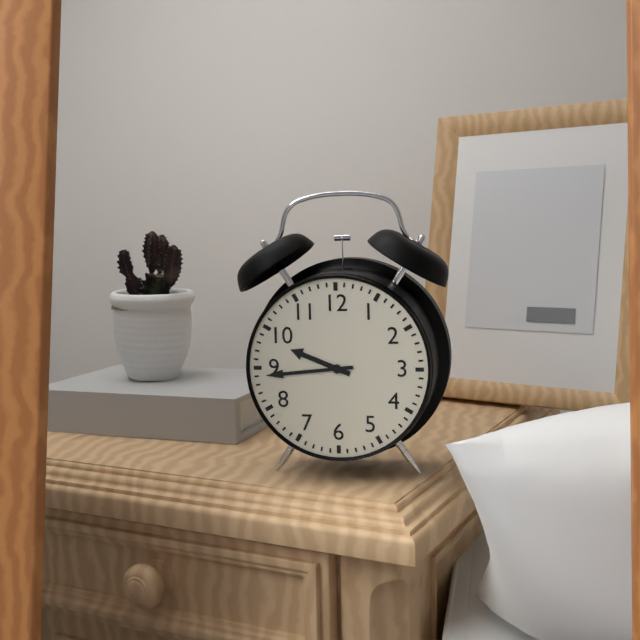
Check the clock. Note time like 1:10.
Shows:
9:44
